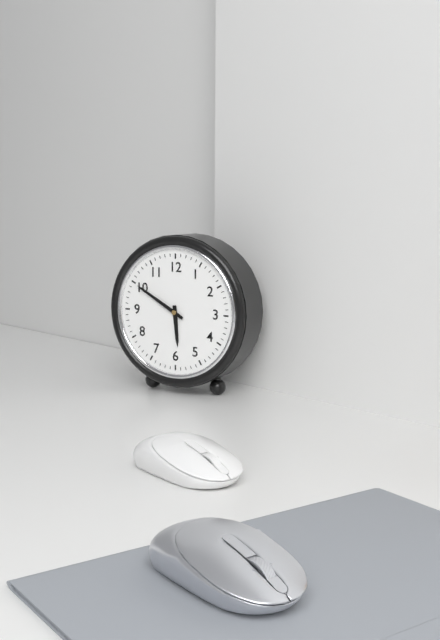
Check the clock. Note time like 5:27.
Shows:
5:50
